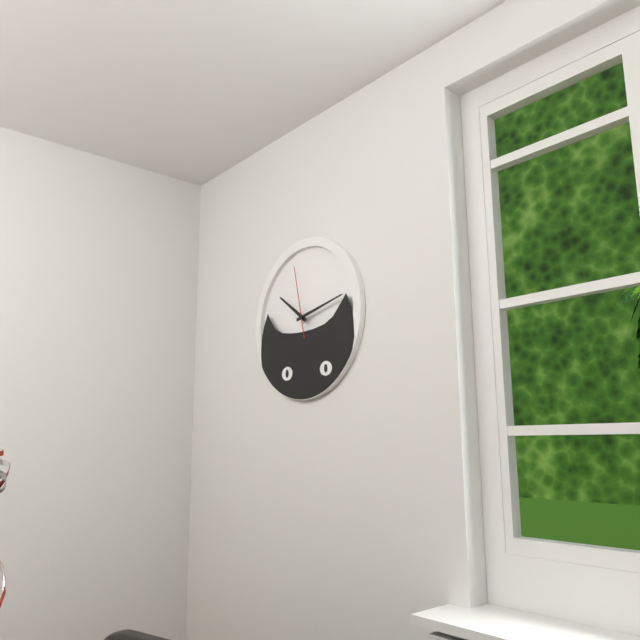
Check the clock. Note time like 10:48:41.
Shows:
10:13:58
